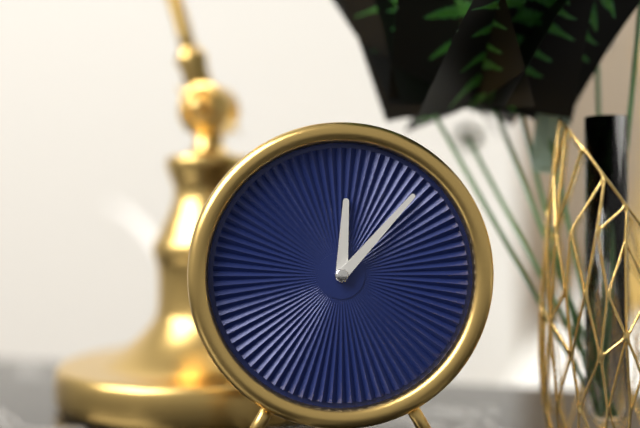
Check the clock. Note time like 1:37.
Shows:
12:07
